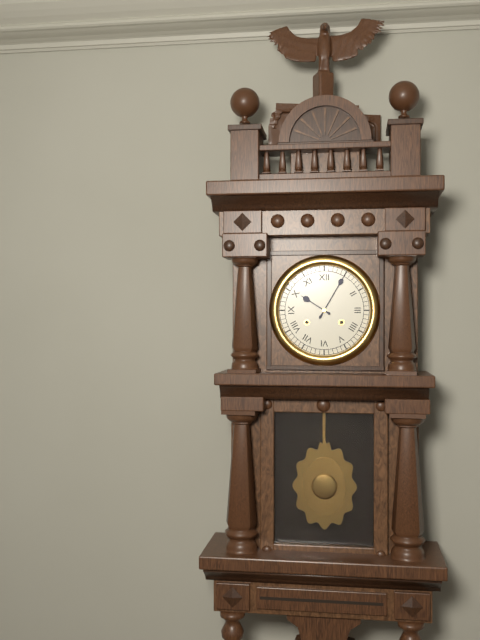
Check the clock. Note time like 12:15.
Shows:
10:05
